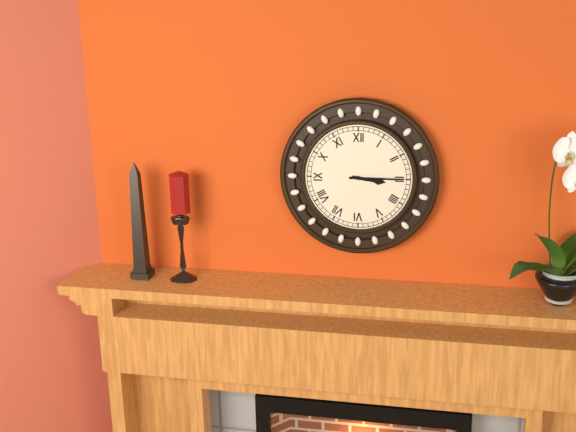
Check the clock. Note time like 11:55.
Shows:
3:15
